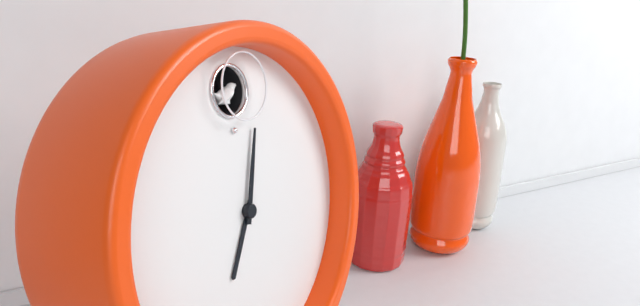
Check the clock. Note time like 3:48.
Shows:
7:03
